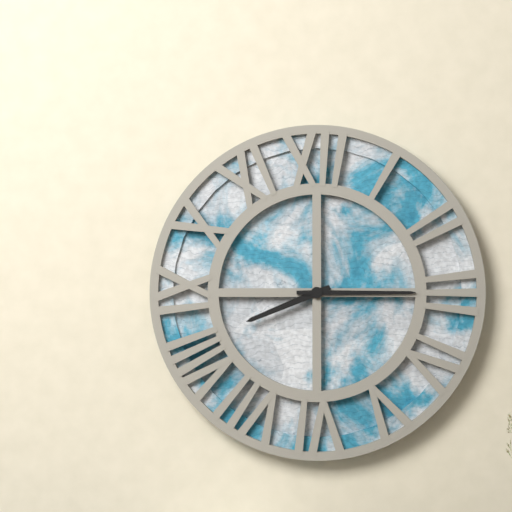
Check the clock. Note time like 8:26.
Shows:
8:15
